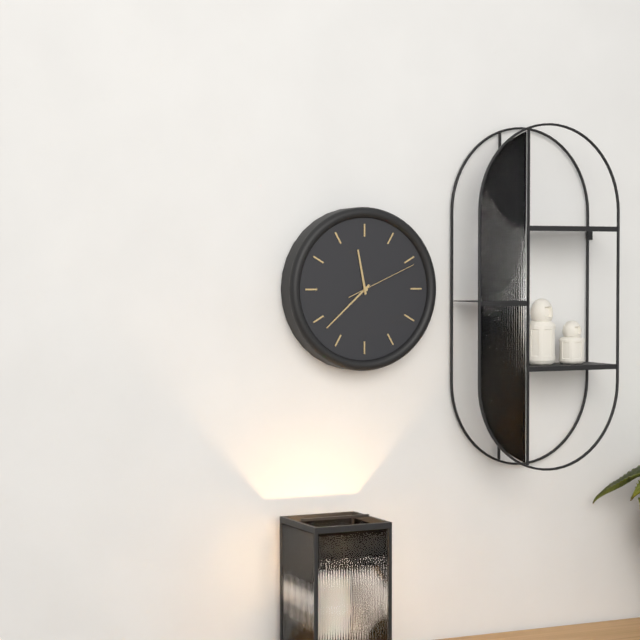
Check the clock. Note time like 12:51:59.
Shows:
11:38:11
